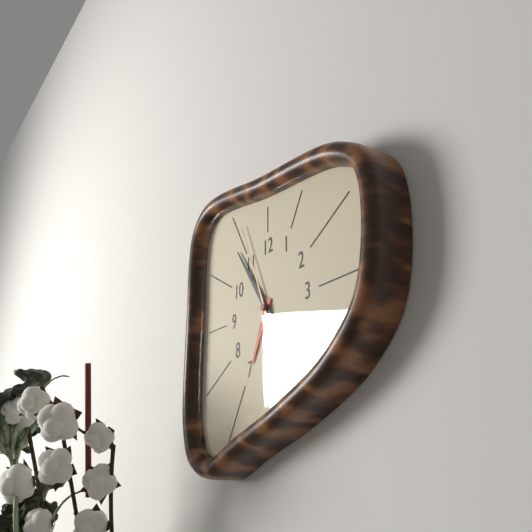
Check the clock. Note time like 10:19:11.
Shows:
6:54:56
